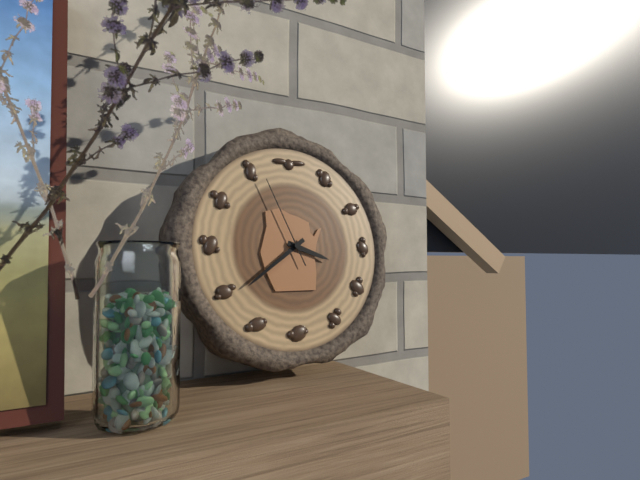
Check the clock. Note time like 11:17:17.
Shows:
3:39:56
